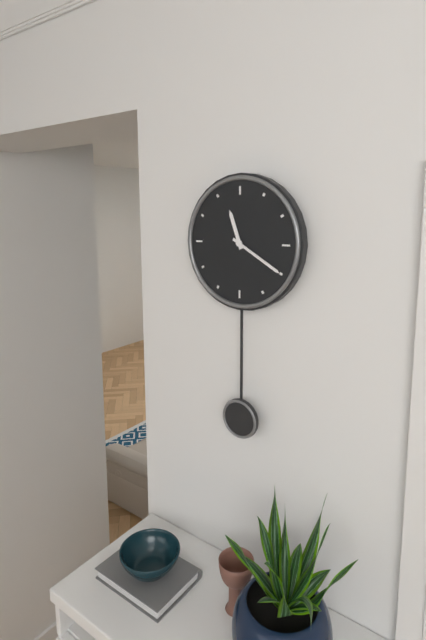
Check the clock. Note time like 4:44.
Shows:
11:20
